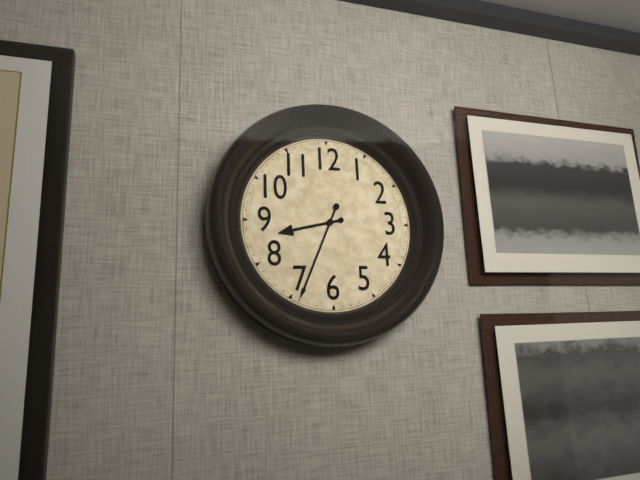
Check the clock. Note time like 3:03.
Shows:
8:34
